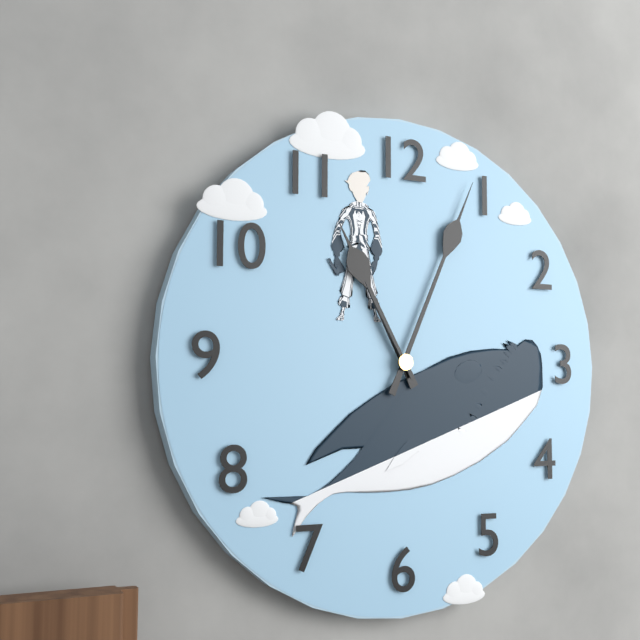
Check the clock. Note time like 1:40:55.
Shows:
11:04:55
